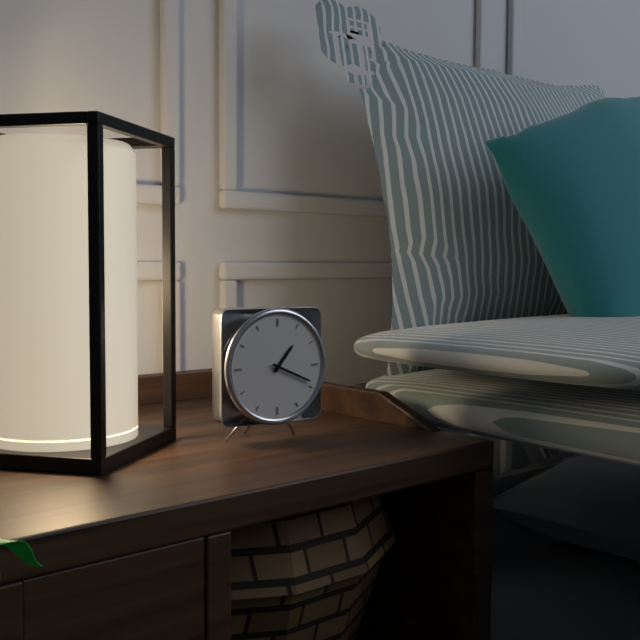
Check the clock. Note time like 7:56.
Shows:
1:19
